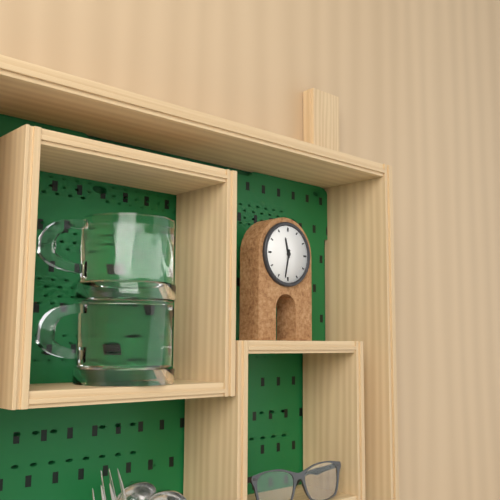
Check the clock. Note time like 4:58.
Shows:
11:32
